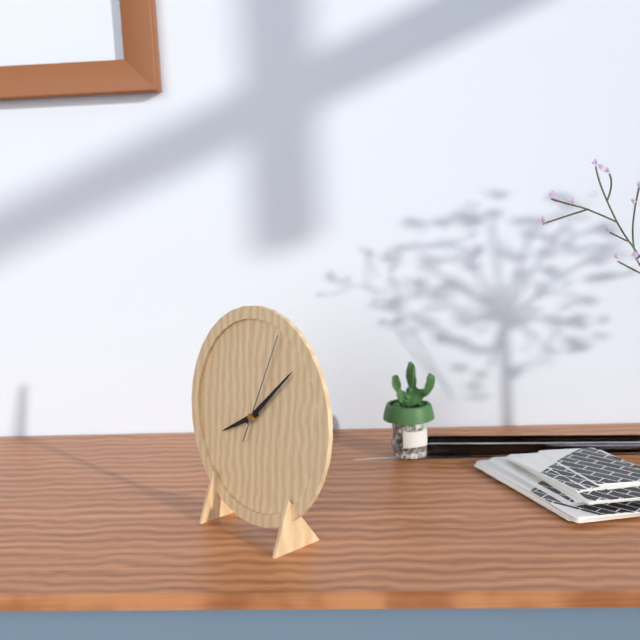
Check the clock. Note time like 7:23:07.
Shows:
8:08:04
